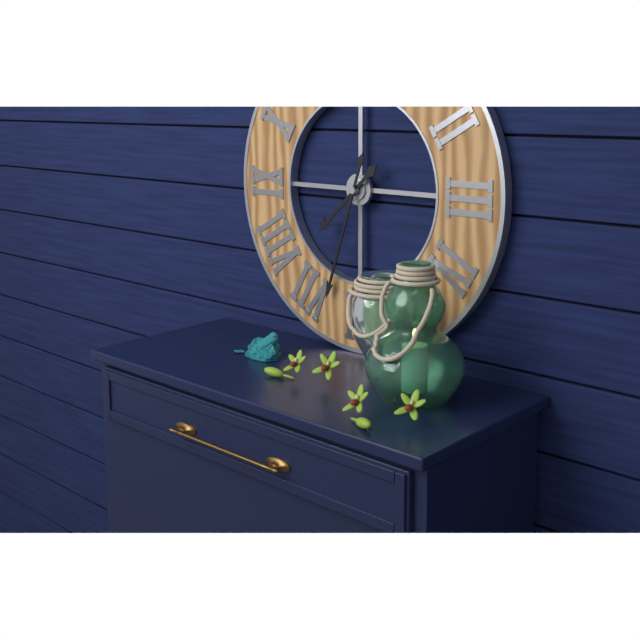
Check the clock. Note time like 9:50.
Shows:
7:33
